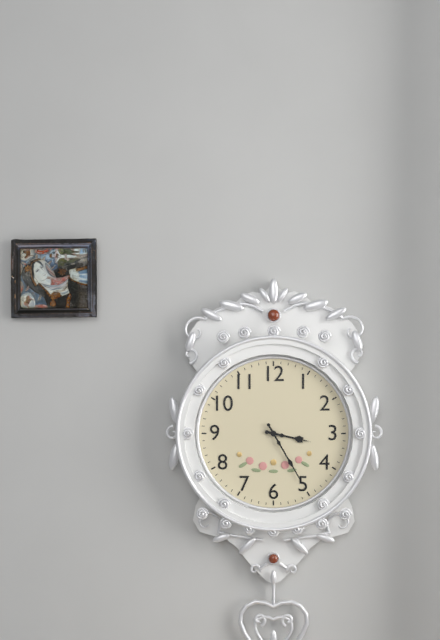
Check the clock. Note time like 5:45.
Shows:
3:25
